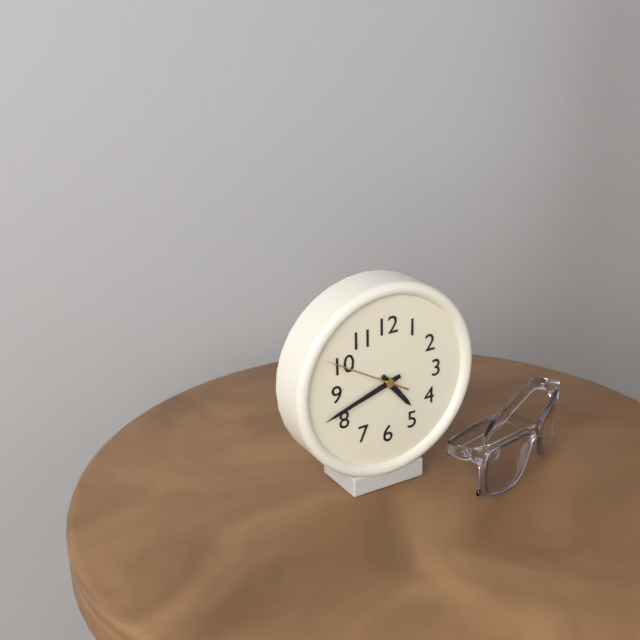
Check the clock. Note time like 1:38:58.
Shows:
4:42:50
